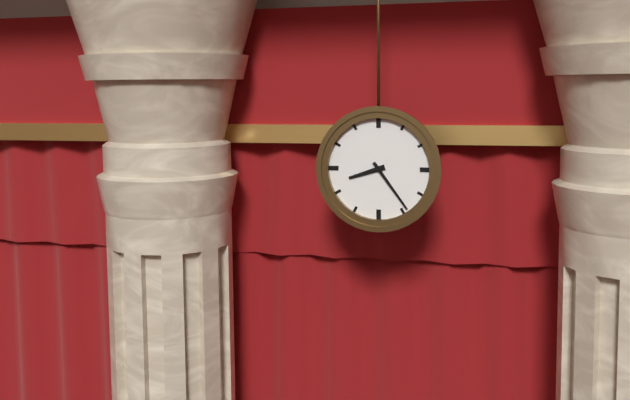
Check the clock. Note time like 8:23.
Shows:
8:24
